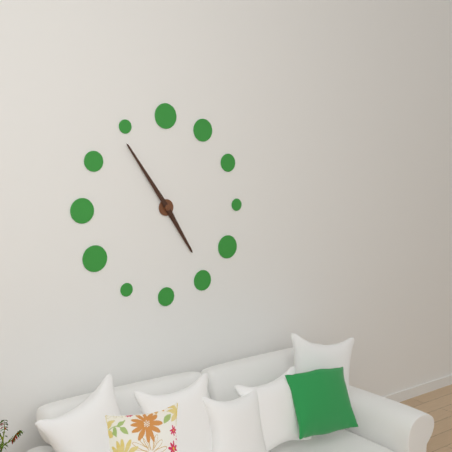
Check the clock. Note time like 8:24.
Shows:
4:54
